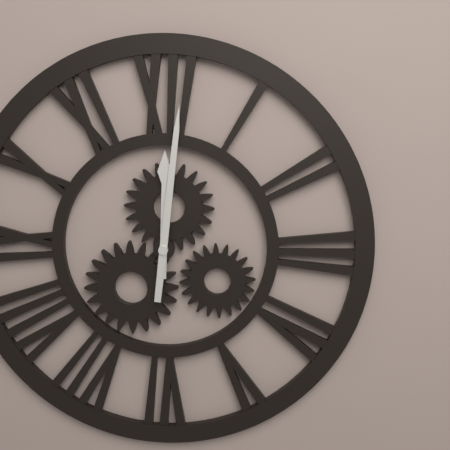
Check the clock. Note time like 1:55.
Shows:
12:01
